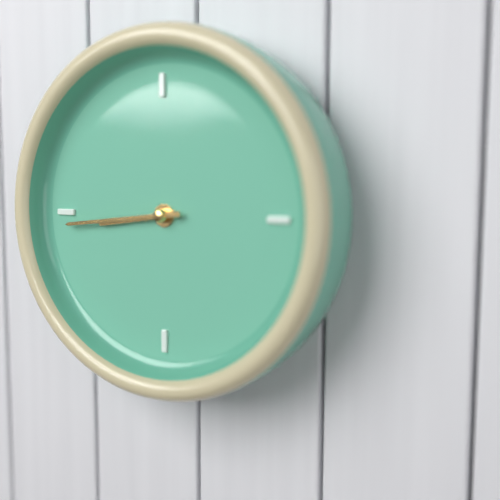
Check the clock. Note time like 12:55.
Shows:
8:44
